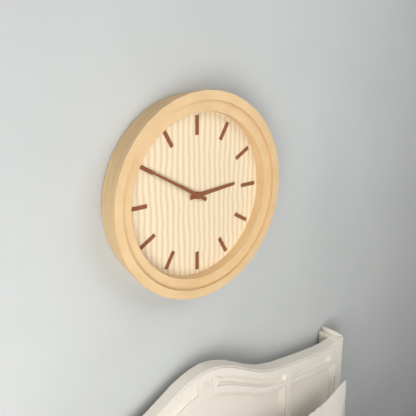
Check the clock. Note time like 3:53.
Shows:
2:50
